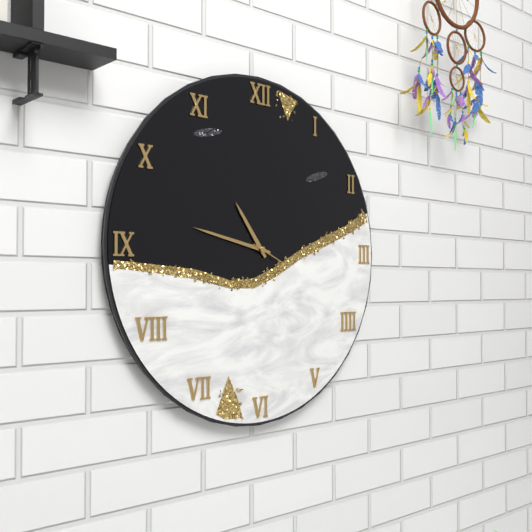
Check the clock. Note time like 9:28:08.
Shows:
10:47:19
